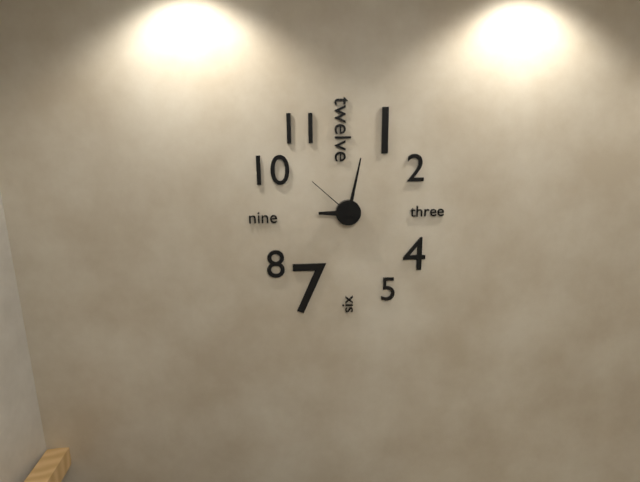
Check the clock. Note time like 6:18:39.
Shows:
9:02:52
